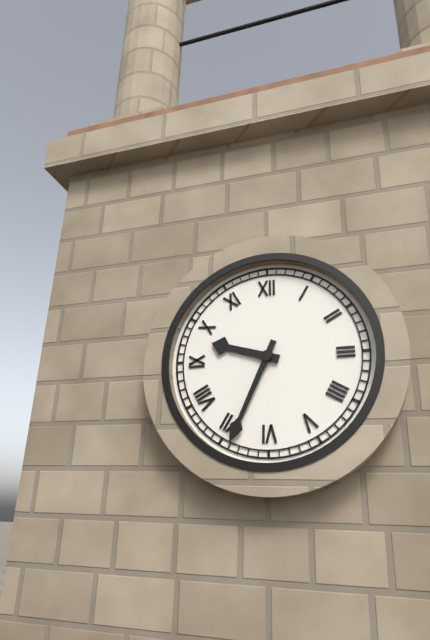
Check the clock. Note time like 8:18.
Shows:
9:34
